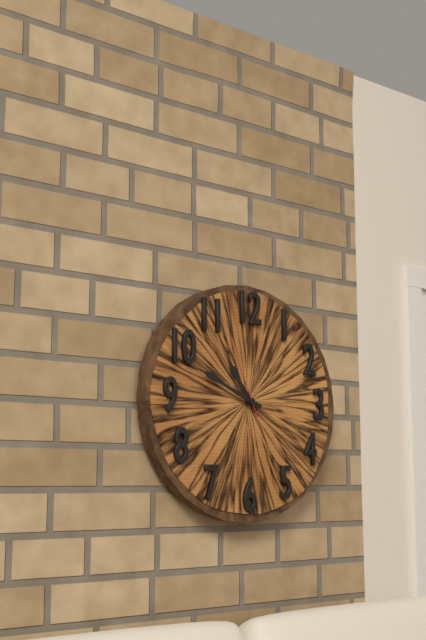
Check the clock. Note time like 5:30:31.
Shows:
10:49:56
